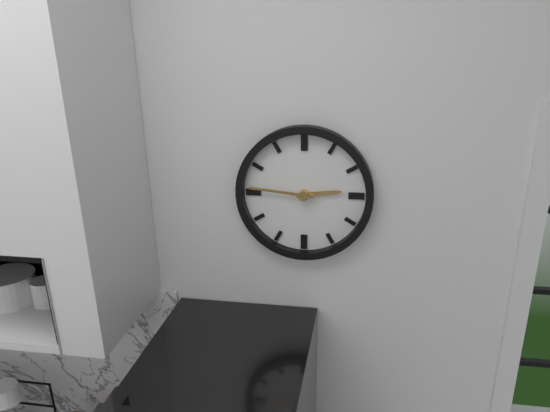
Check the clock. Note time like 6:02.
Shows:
2:46
